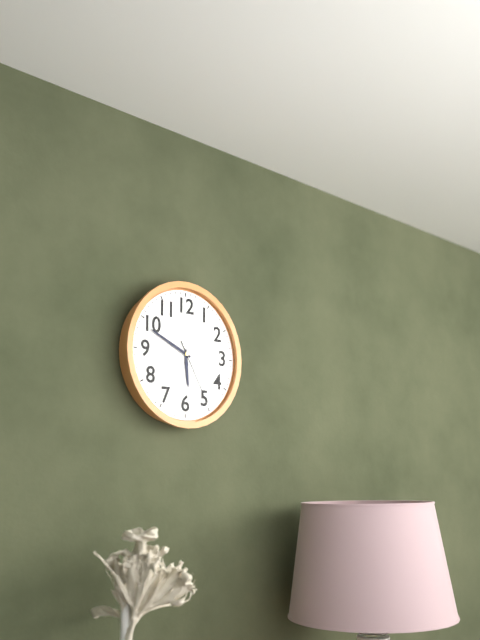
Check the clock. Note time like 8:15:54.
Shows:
5:49:25
